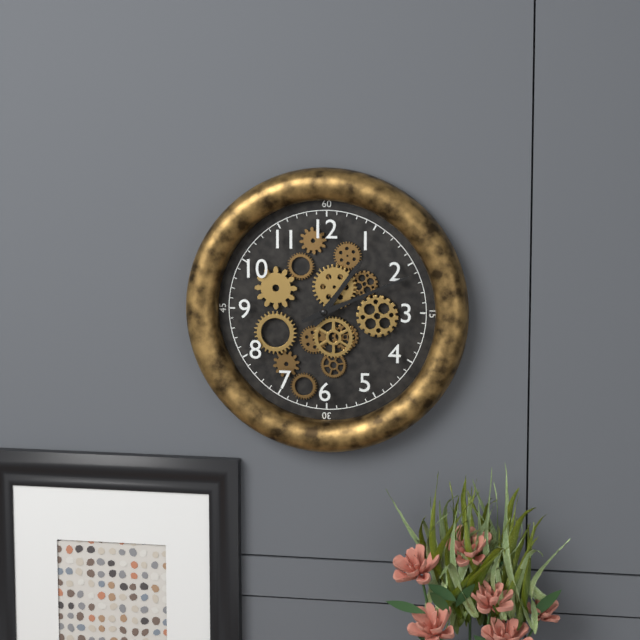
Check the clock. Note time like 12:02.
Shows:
1:11
